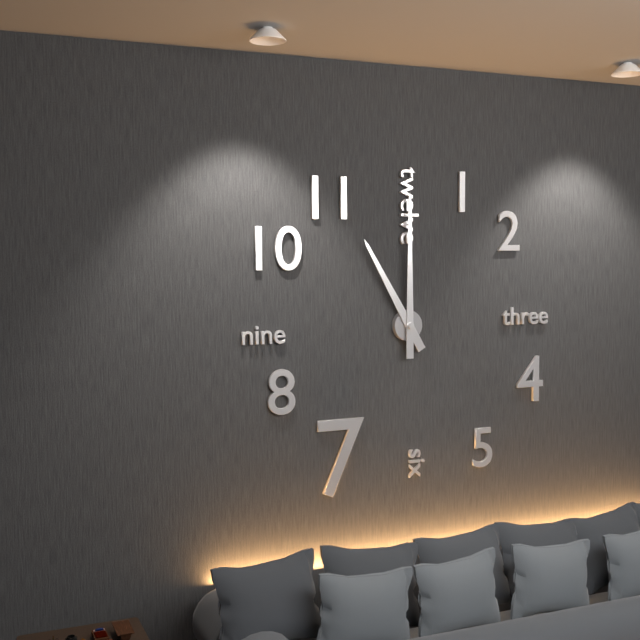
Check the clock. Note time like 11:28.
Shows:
11:00
